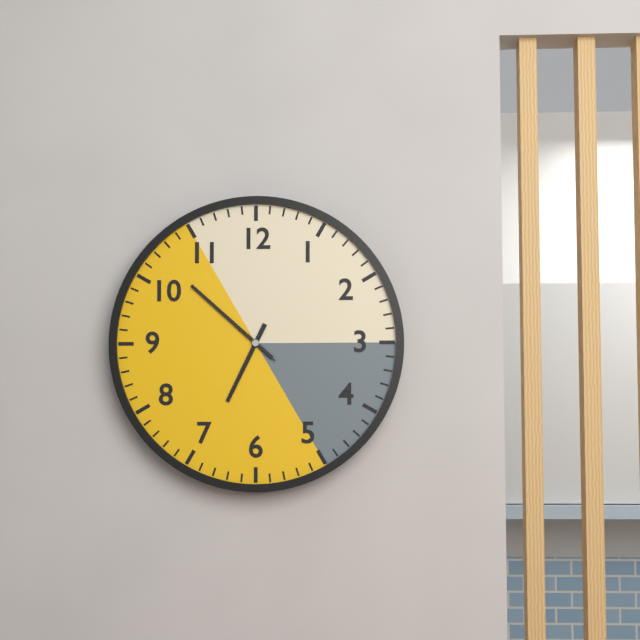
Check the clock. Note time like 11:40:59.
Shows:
6:52:52
